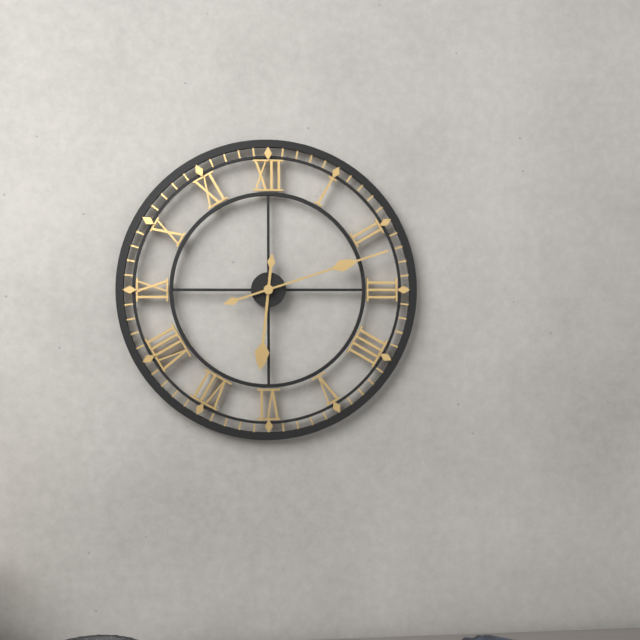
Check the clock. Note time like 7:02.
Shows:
6:12
